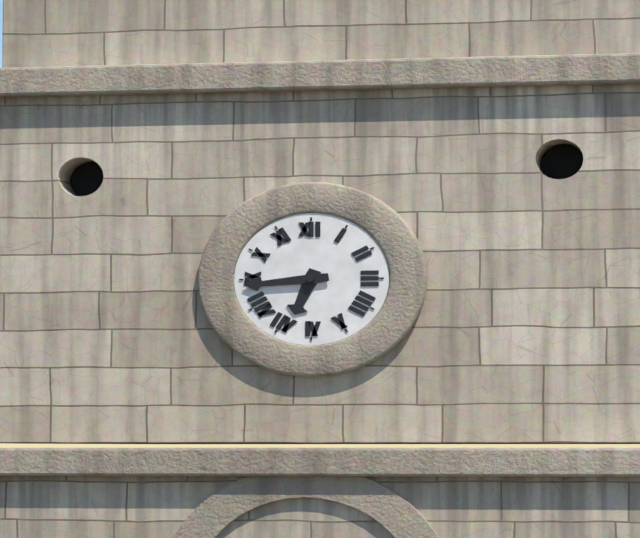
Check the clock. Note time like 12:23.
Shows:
6:44
